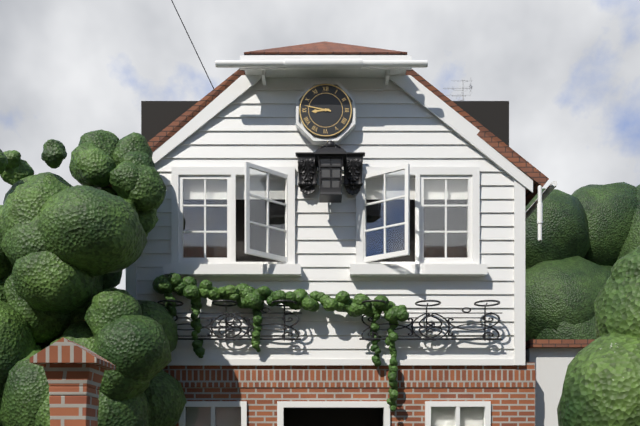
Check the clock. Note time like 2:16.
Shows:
8:47
